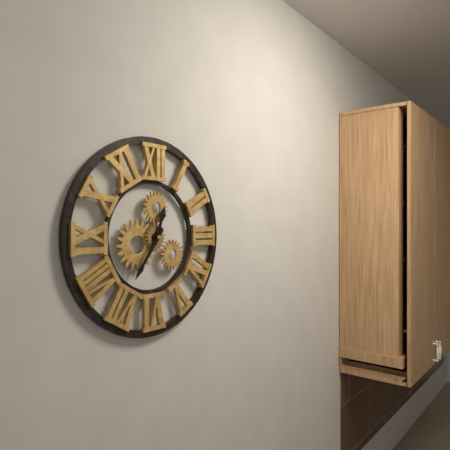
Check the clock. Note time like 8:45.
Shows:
12:36
